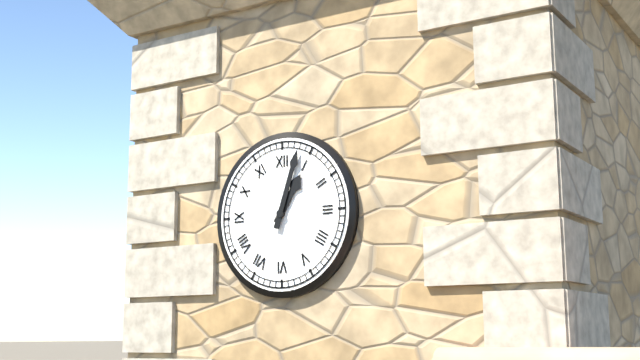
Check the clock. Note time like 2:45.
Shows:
1:03
